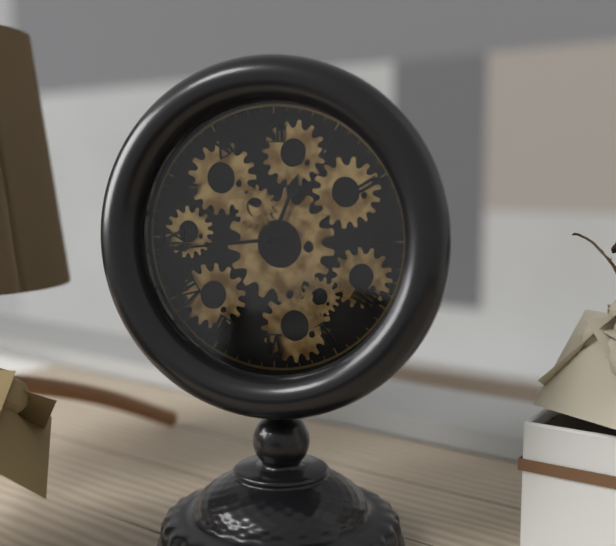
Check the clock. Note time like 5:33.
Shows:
12:44
